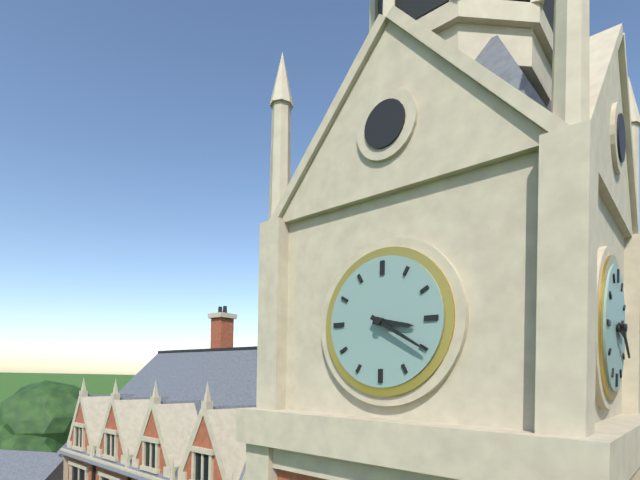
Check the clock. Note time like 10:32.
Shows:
3:20
